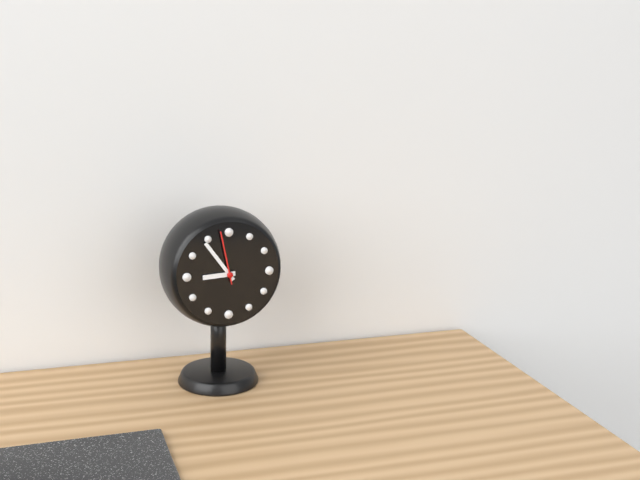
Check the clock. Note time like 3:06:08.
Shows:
8:54:58
